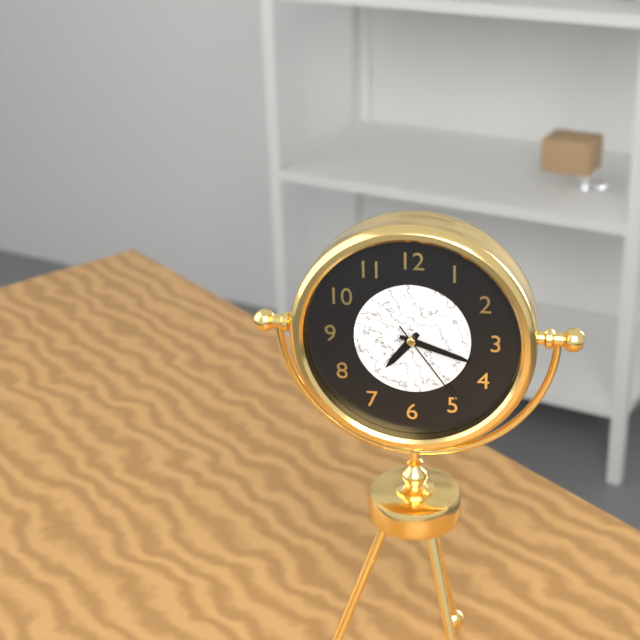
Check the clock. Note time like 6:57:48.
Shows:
7:18:24
